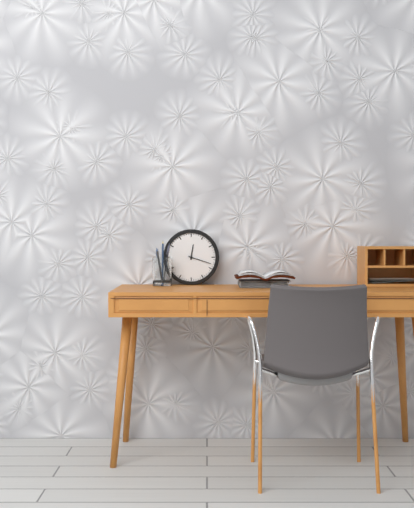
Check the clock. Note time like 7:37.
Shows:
12:18
